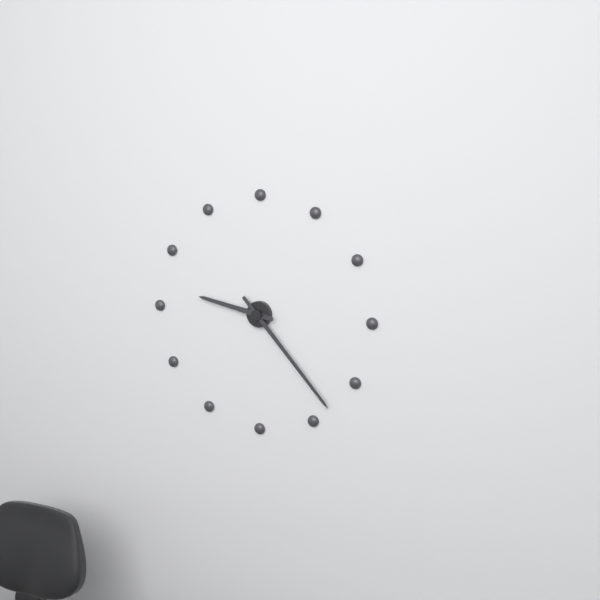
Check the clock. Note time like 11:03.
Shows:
9:23
